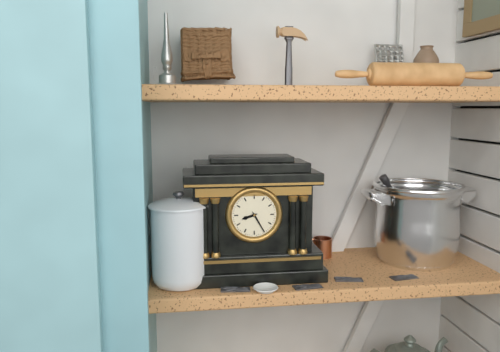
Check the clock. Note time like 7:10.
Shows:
8:25
